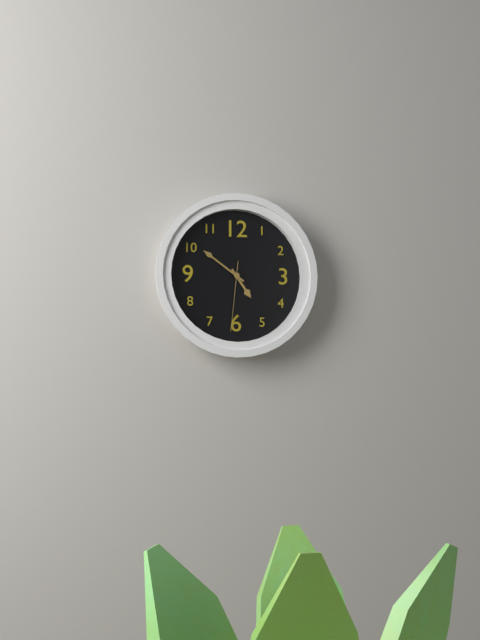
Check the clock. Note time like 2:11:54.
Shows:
4:51:31
